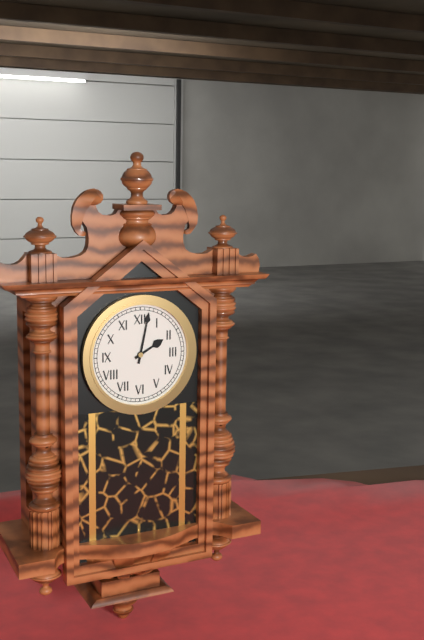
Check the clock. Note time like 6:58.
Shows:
2:02
